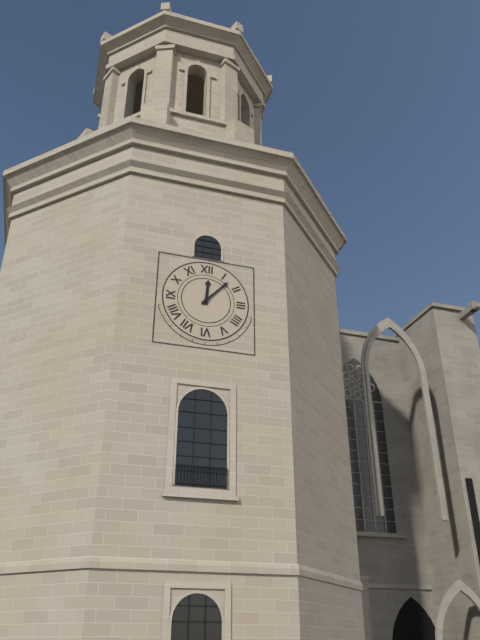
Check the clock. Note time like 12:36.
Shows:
12:07
